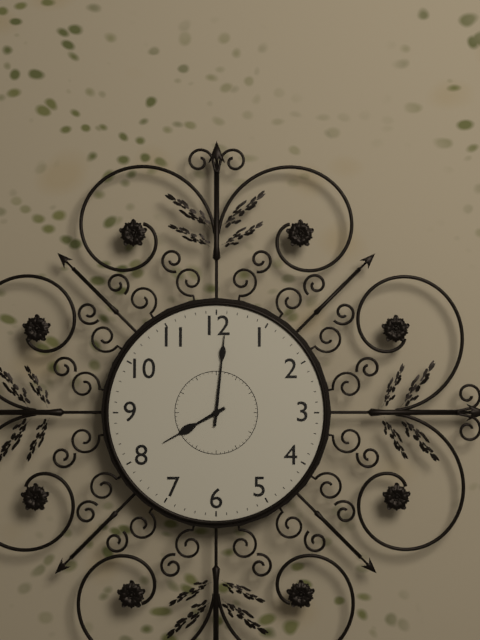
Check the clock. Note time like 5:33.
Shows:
8:01
